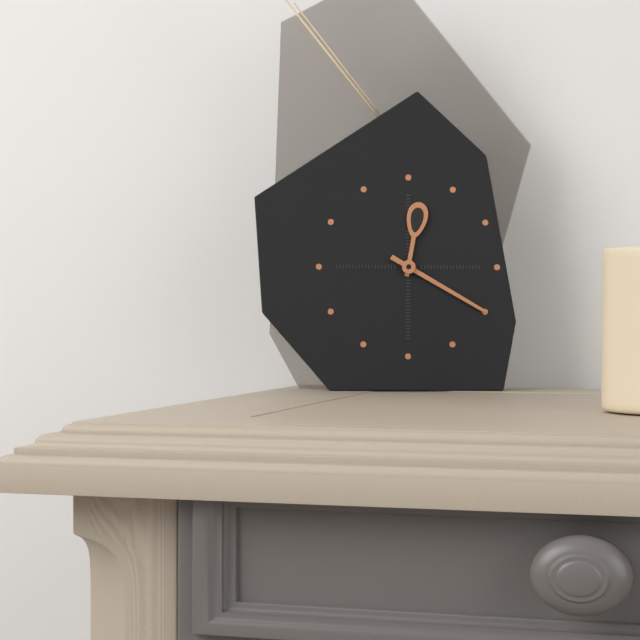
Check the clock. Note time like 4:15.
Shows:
12:20
